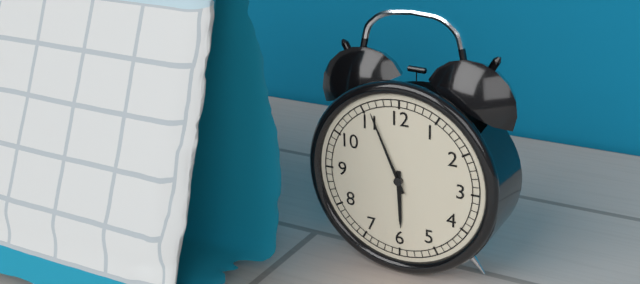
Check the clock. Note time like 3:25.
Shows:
5:56
